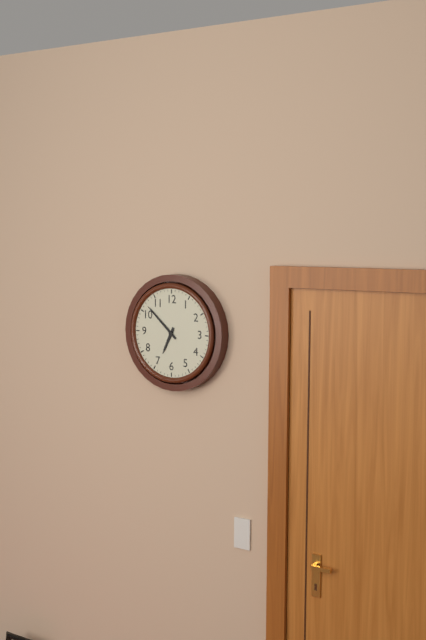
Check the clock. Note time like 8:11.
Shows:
6:52
